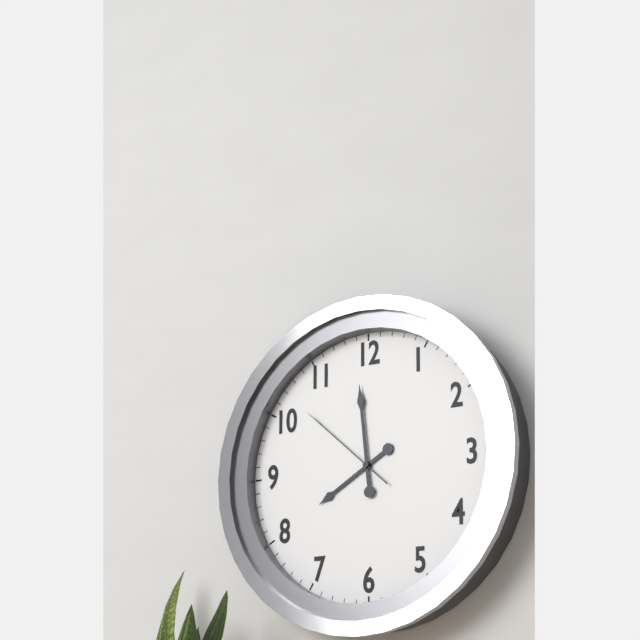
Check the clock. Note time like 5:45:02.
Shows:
7:59:52
